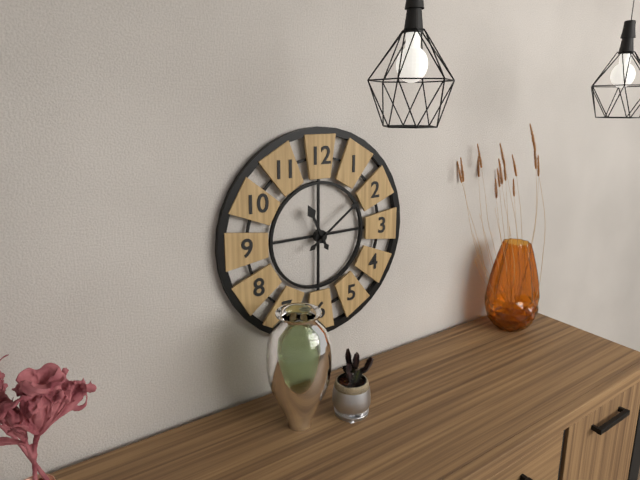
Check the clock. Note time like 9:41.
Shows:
11:09
